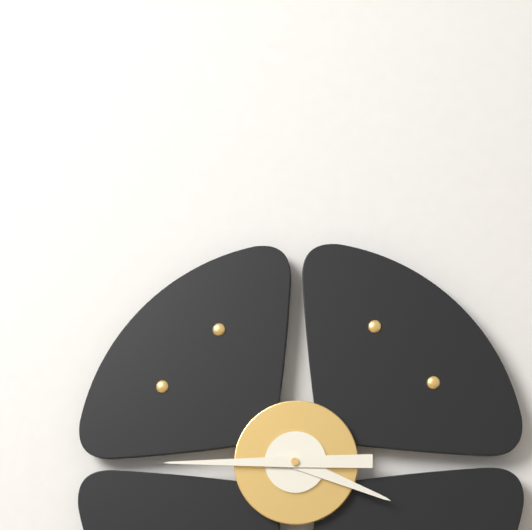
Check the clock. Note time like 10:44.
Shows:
3:45
